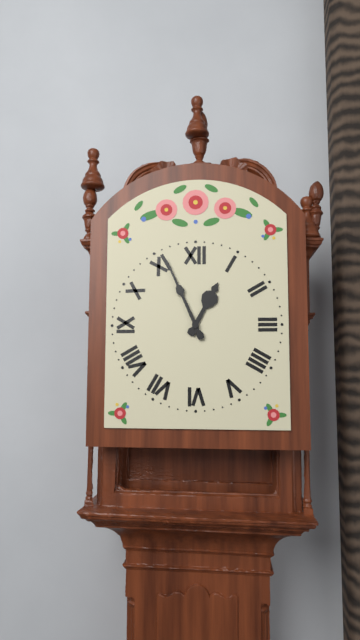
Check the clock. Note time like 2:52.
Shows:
12:56
